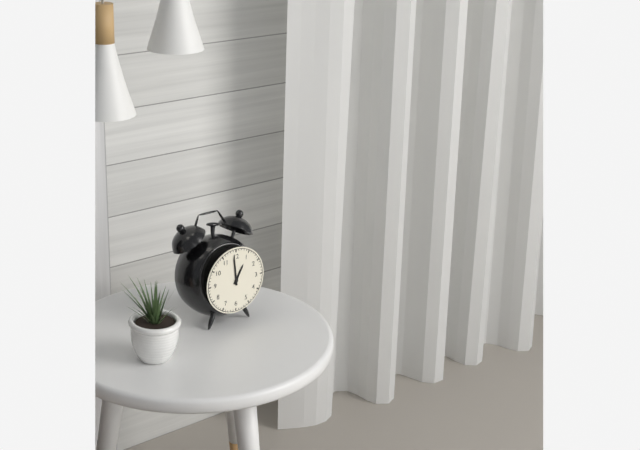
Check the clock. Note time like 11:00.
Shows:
12:59
